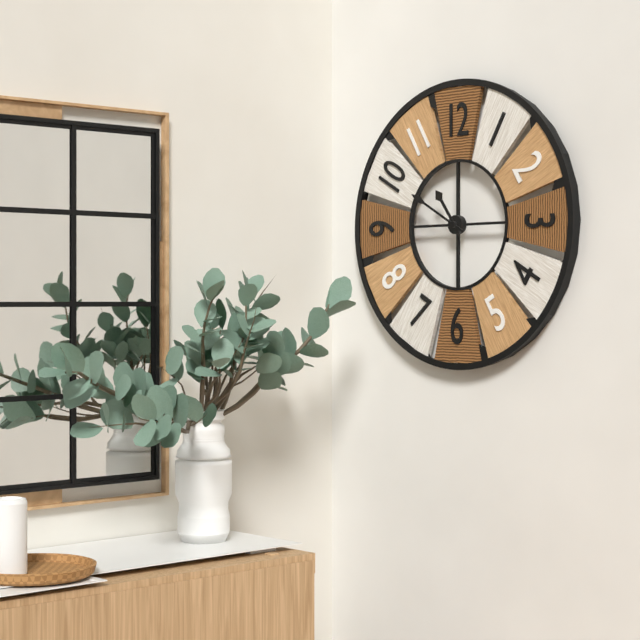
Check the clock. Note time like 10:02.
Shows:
10:50
